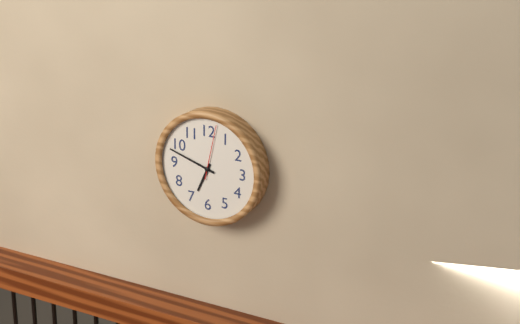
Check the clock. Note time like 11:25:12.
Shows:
6:48:02
